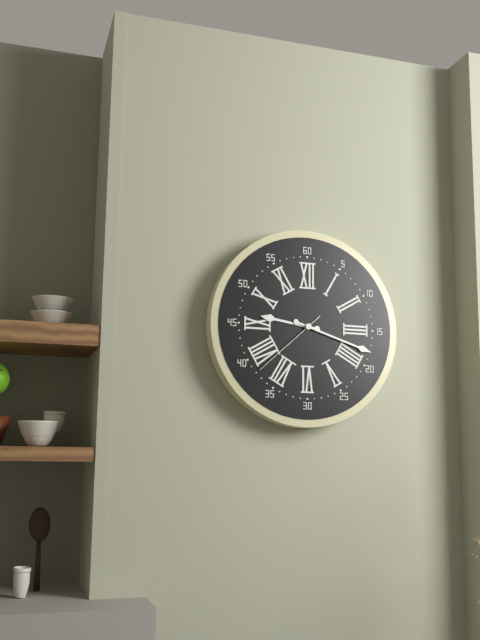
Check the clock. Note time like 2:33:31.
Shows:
9:18:38
